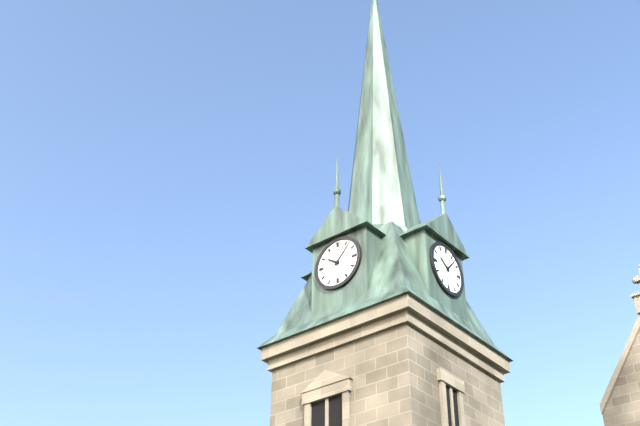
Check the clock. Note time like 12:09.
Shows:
10:07
